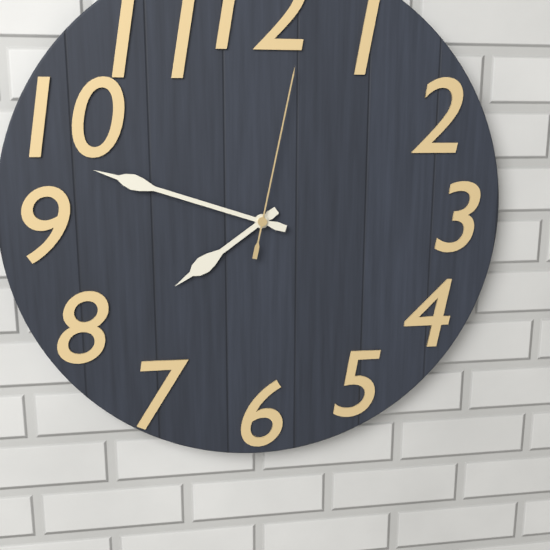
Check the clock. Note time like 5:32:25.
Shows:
7:48:02
